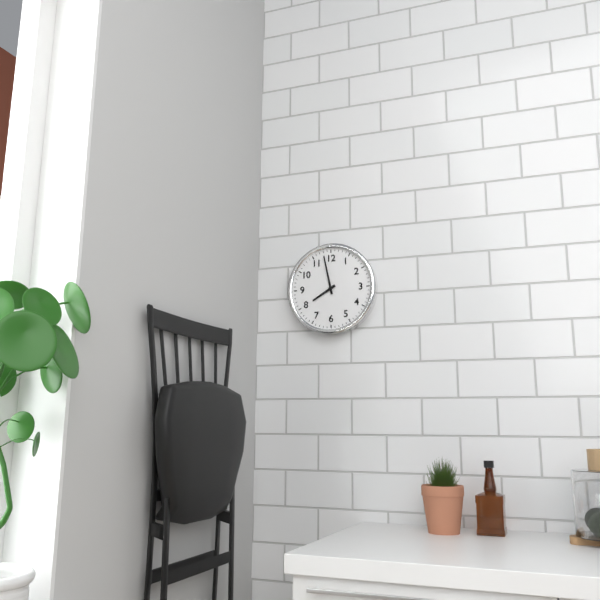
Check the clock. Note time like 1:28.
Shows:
7:58
